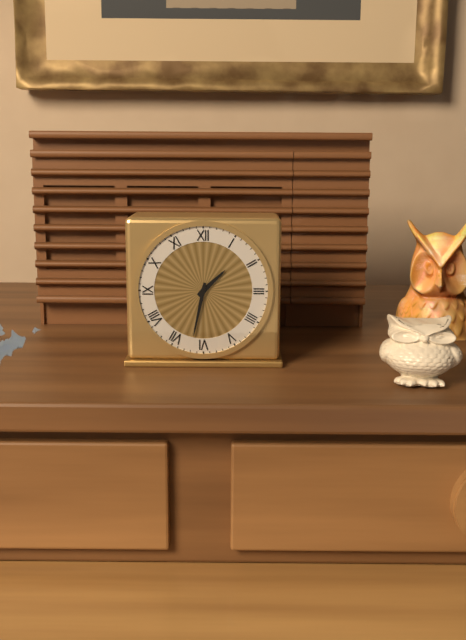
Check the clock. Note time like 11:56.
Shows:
1:32
